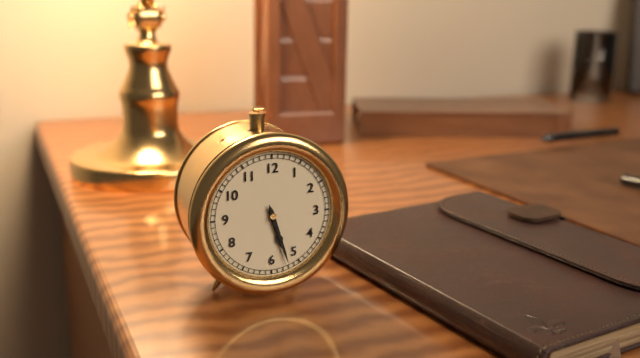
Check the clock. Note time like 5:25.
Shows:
5:27
